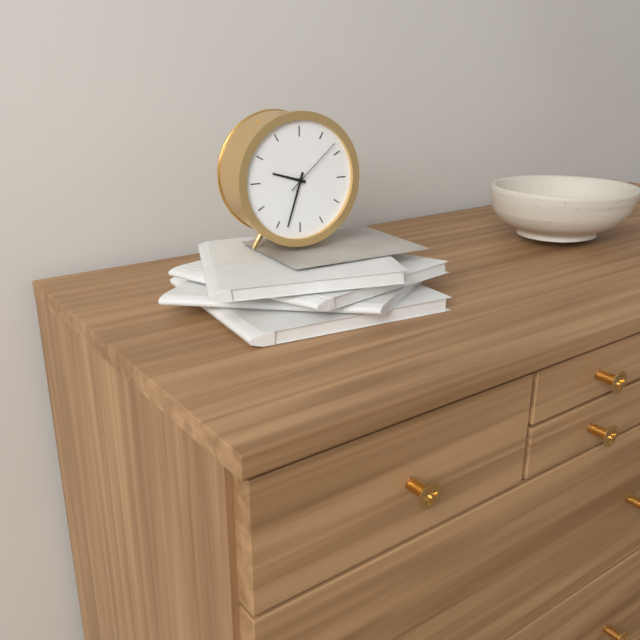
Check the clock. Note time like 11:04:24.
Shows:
9:33:08
